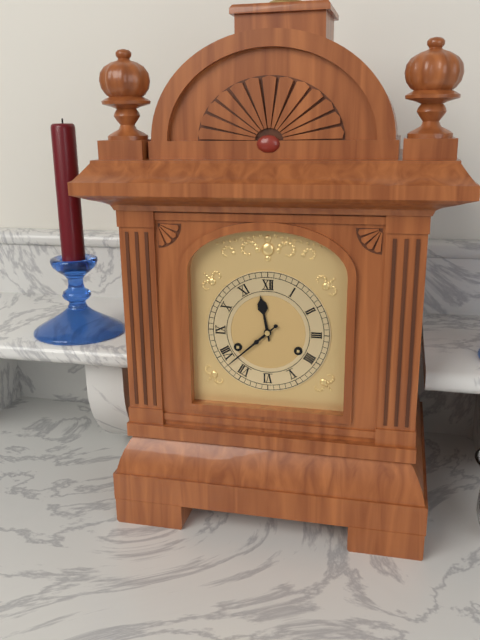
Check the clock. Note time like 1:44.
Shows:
11:38
